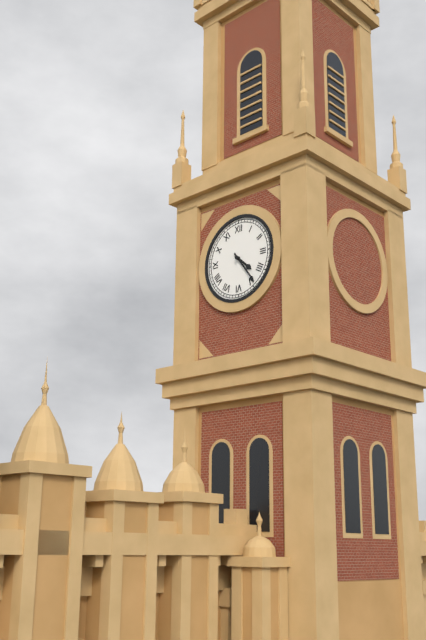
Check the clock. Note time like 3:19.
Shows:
4:24
